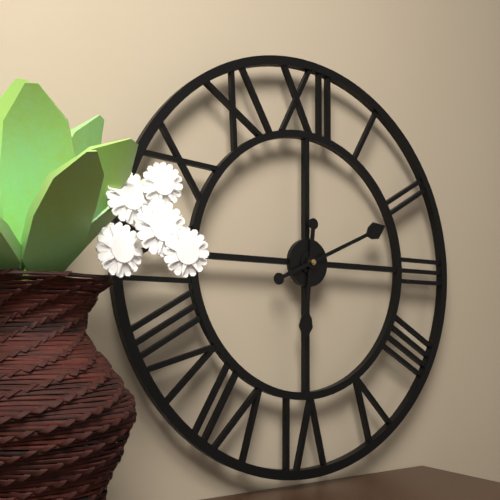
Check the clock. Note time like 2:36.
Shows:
6:11
